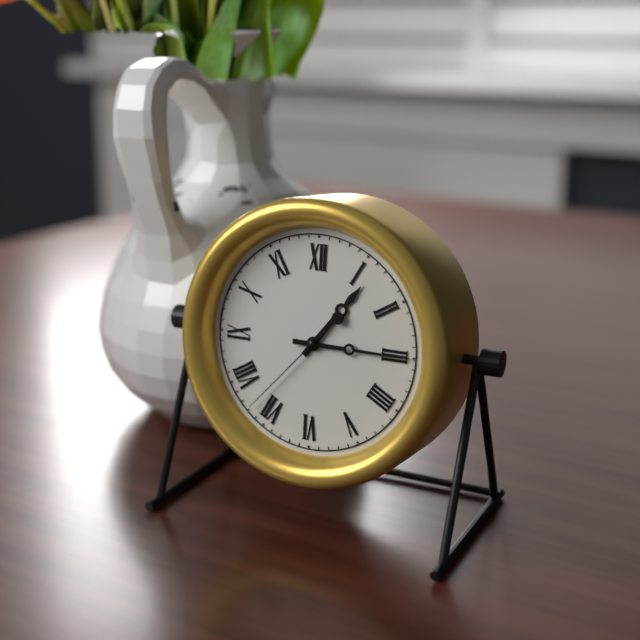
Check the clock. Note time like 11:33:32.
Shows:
1:15:37
